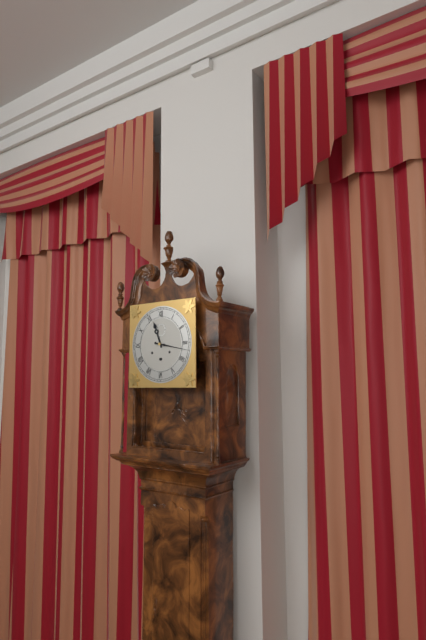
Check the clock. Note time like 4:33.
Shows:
11:17
